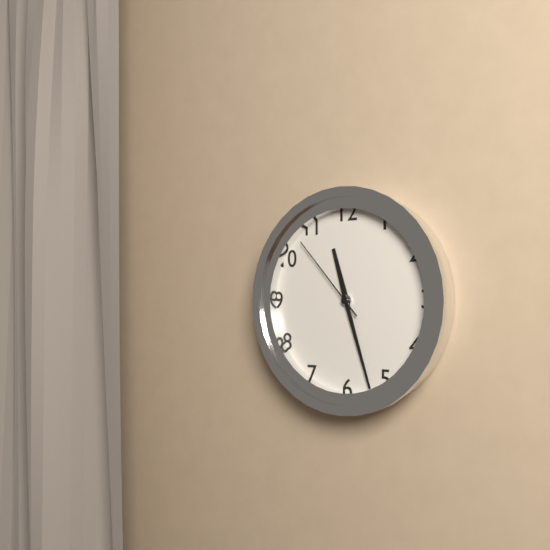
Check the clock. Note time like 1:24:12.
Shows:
11:27:53
